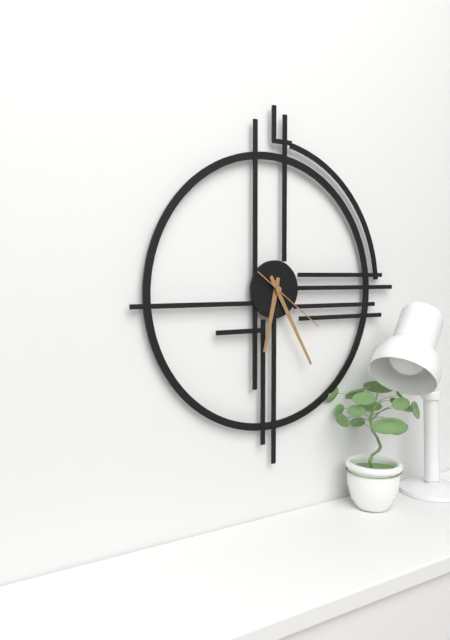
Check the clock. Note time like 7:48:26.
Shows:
6:25:21
